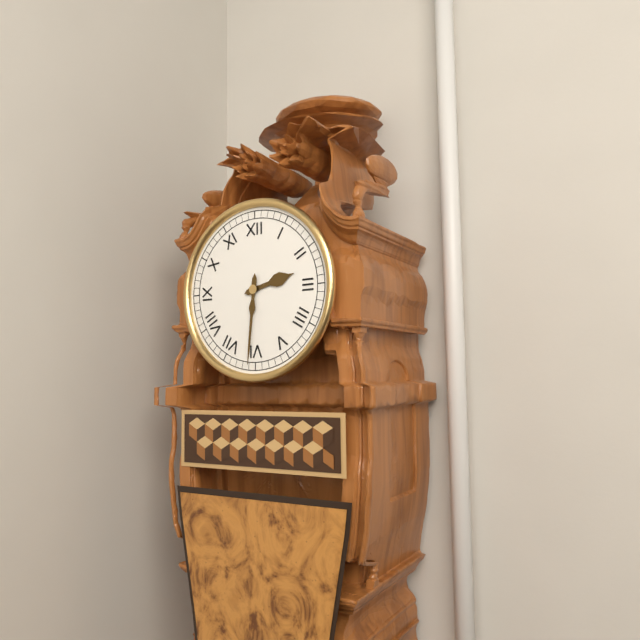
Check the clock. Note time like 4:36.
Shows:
2:31
